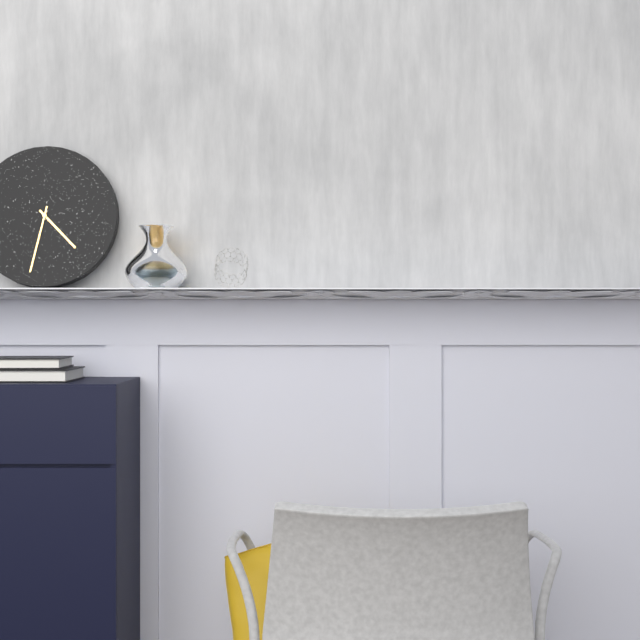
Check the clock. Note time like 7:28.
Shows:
4:32
